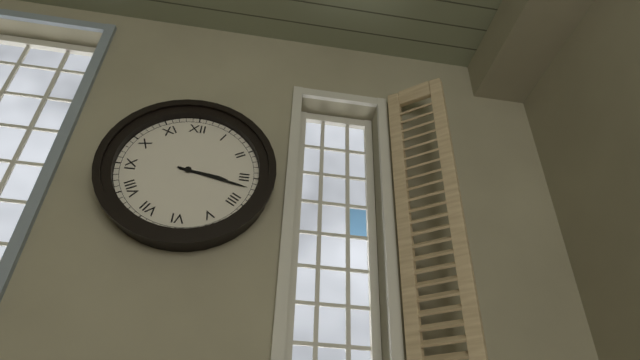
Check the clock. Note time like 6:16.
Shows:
3:17
